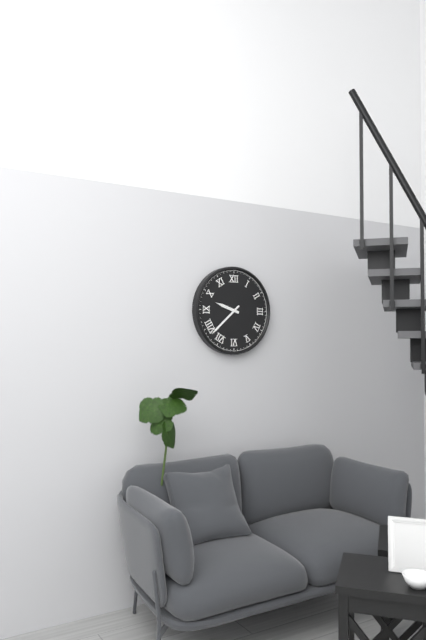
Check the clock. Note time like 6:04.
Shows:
9:38
